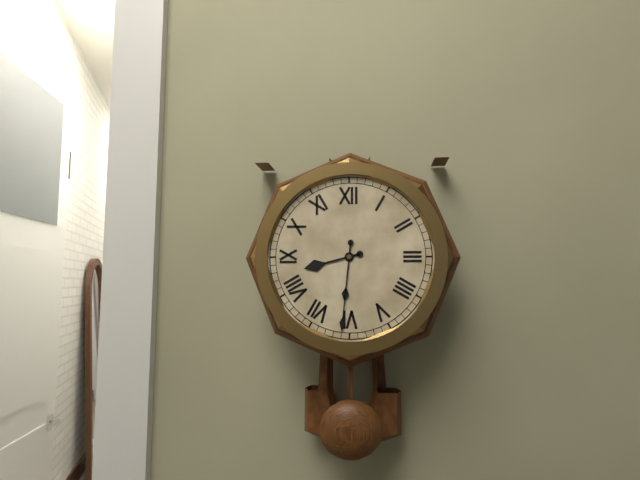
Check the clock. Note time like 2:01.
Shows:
8:31
